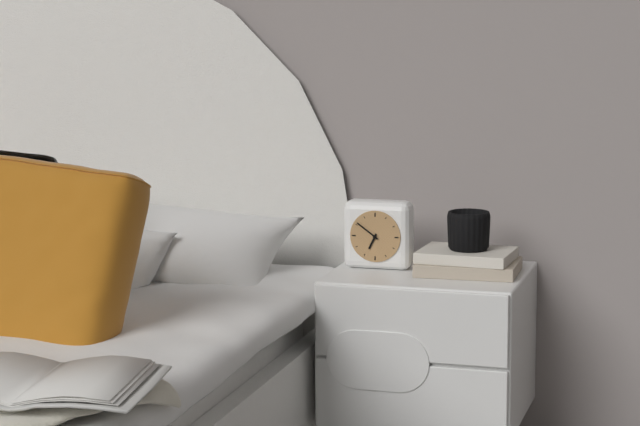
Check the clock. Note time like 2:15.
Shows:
6:51
